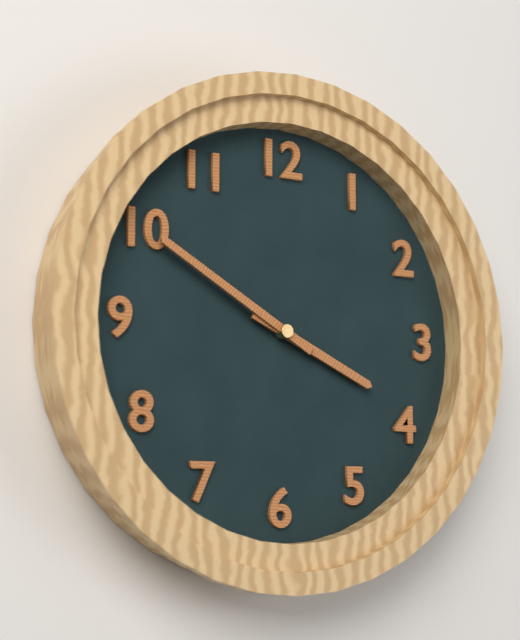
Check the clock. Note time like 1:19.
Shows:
3:50
